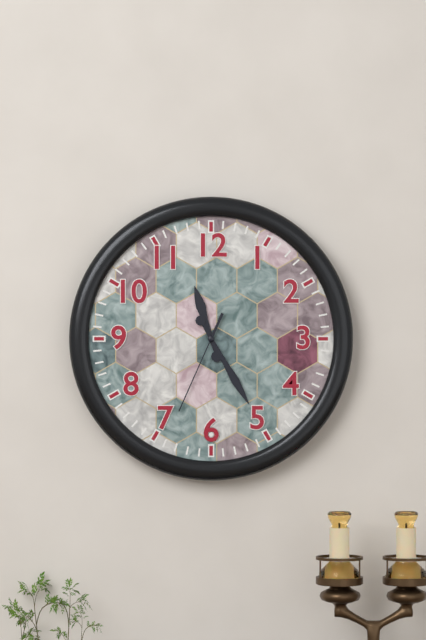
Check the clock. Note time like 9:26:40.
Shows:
11:25:34
